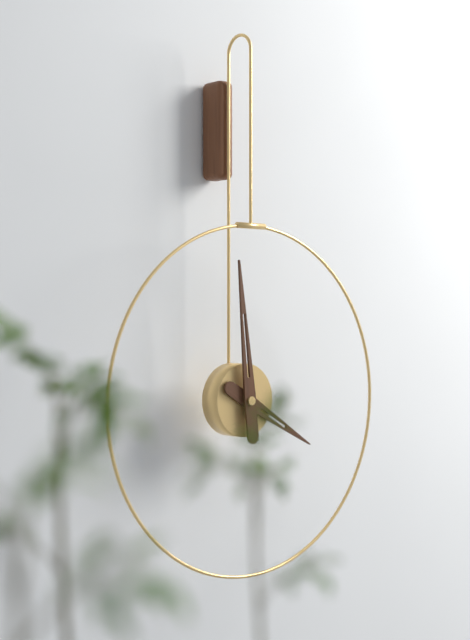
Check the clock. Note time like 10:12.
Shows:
3:59
